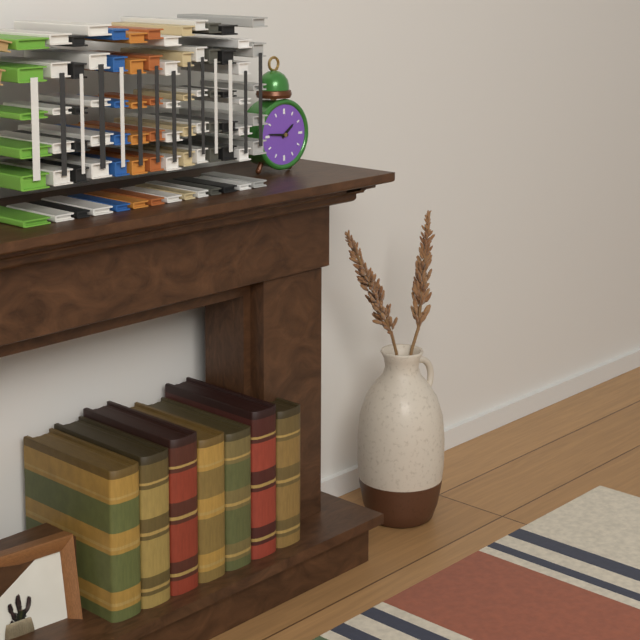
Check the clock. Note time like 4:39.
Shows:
1:46
